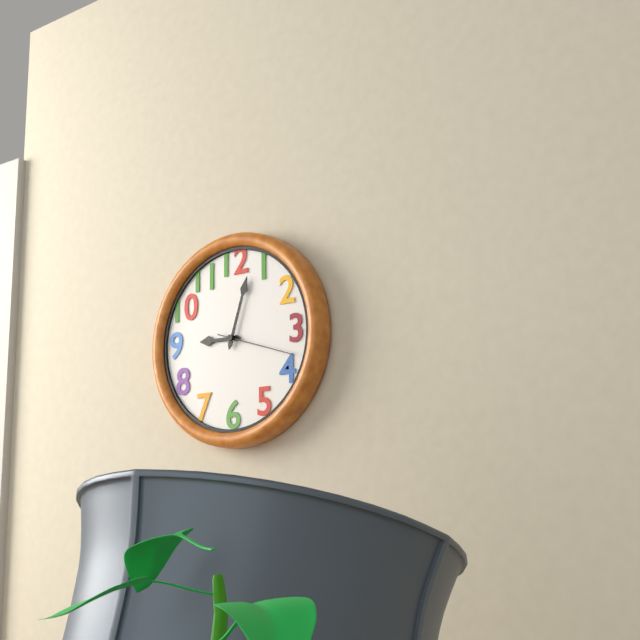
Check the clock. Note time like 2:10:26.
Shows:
9:03:18
